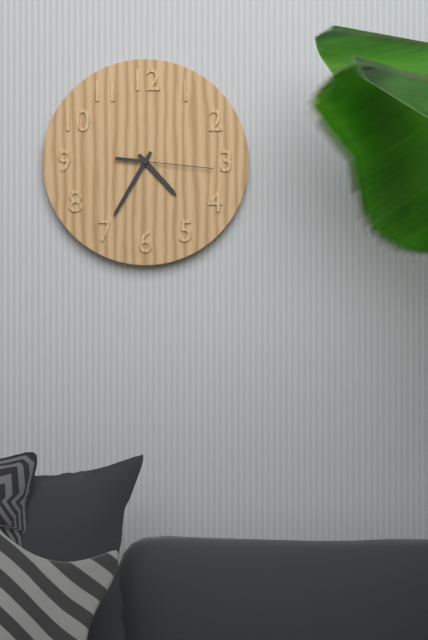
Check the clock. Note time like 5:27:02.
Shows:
4:35:16
